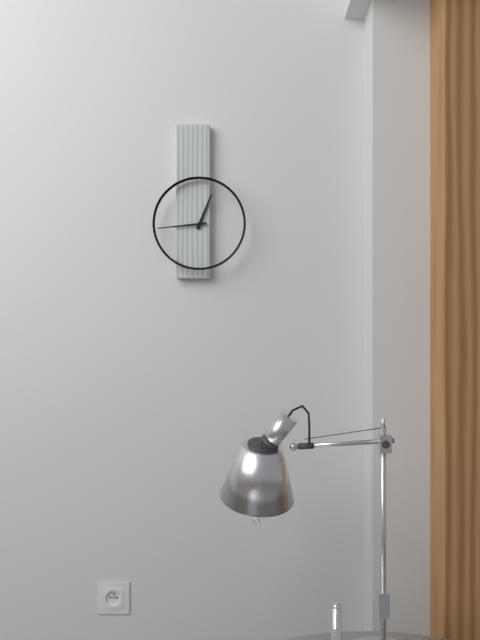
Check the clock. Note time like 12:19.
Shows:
12:44
